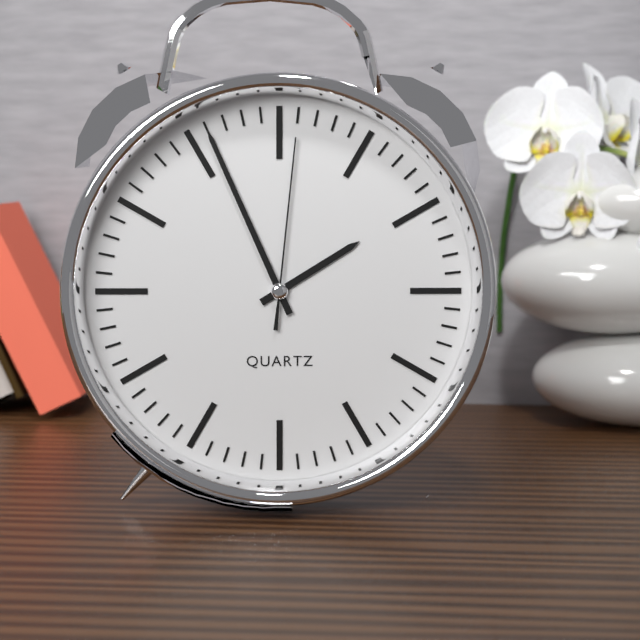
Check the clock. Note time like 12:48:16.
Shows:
1:56:01
